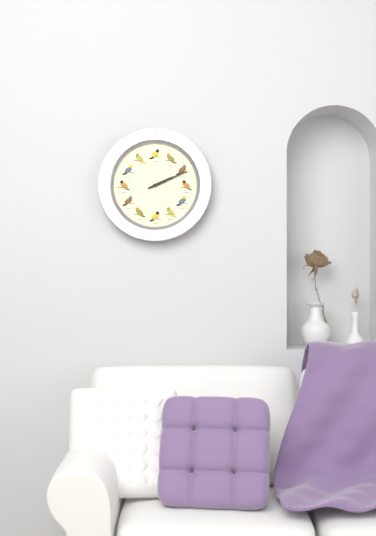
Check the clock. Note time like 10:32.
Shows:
2:11
